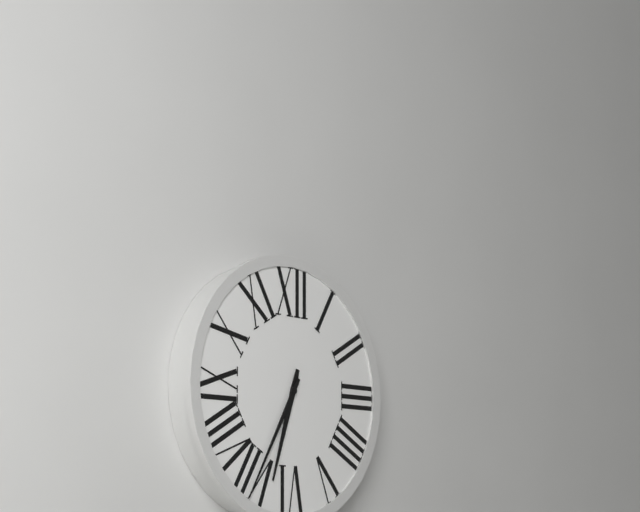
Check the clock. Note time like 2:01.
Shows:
6:35
